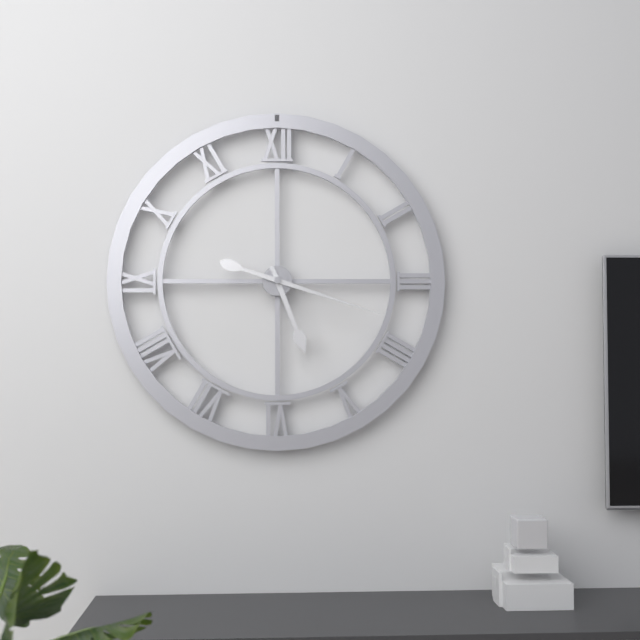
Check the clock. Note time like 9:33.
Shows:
5:18
